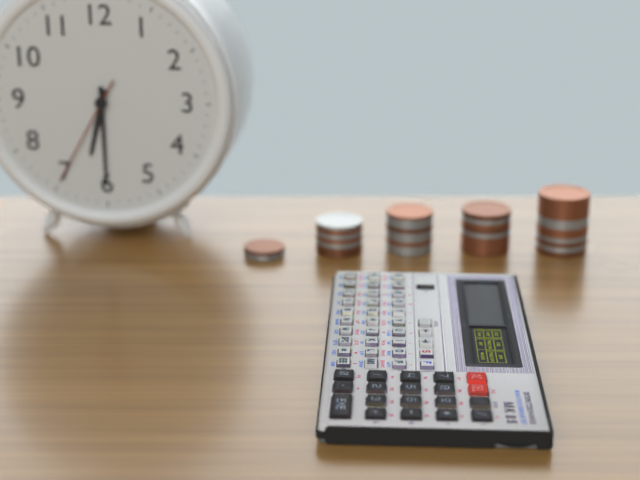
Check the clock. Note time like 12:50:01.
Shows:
6:30:35
